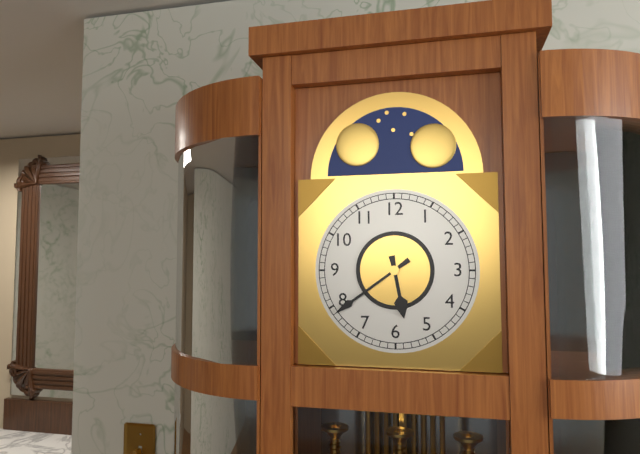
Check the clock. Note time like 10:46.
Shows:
5:39
